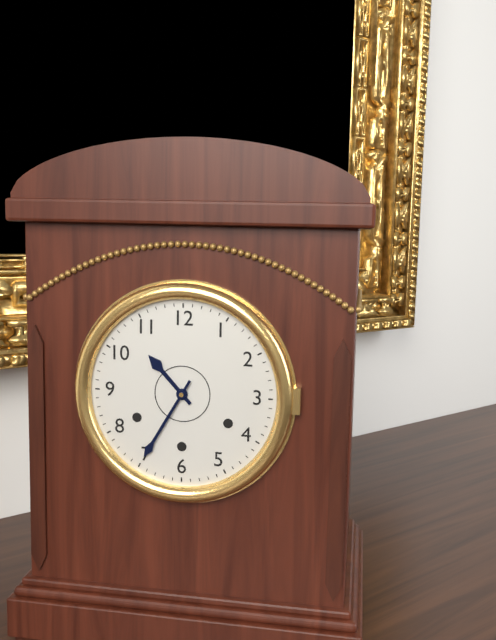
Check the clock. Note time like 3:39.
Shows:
10:35
